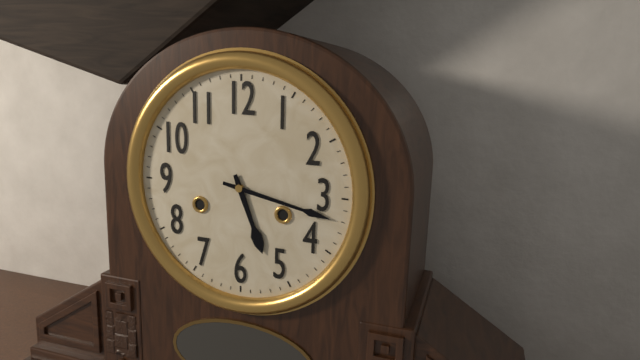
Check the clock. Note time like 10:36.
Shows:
5:17
